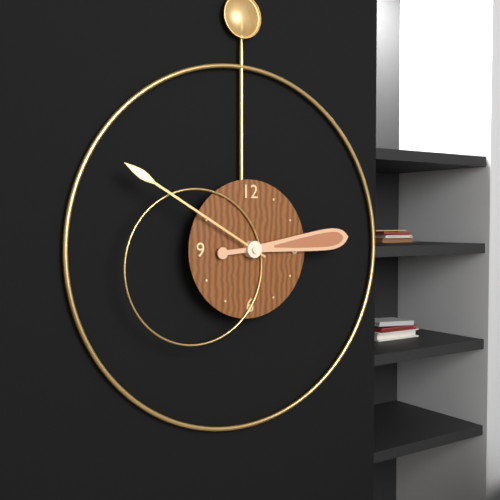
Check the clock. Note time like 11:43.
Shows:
2:50
